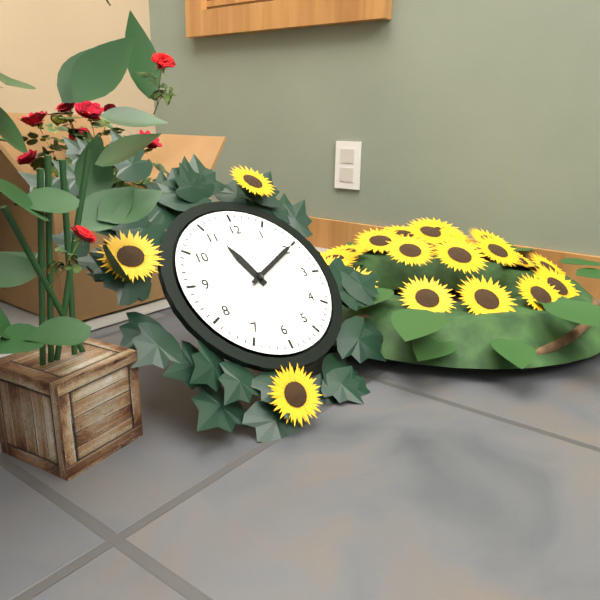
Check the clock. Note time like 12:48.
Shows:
11:10
